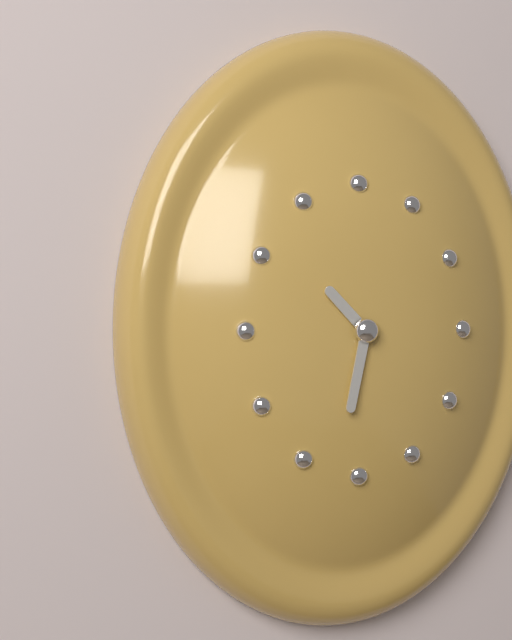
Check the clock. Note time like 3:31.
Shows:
10:32
